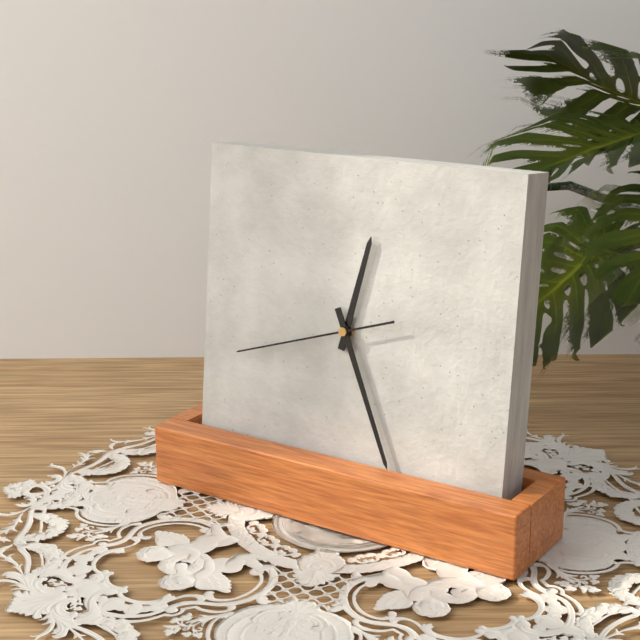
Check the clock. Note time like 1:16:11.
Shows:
12:26:42
